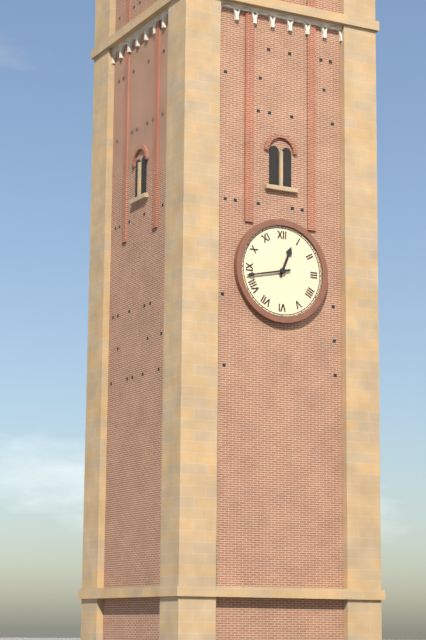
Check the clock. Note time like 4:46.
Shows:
12:43
